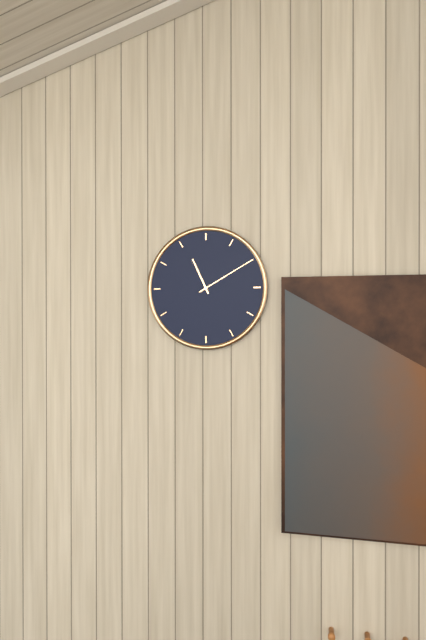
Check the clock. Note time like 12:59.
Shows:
11:10
